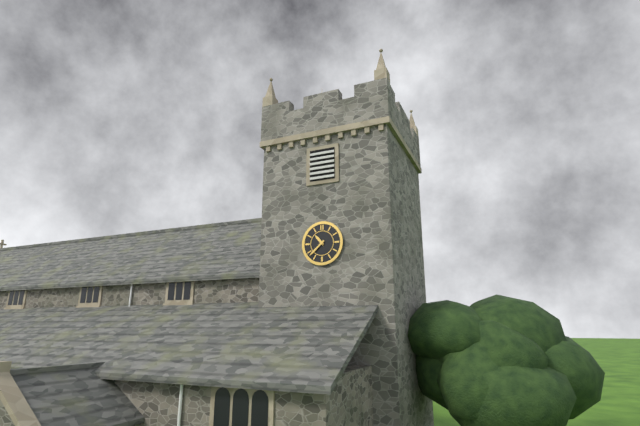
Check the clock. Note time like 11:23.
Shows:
10:38
